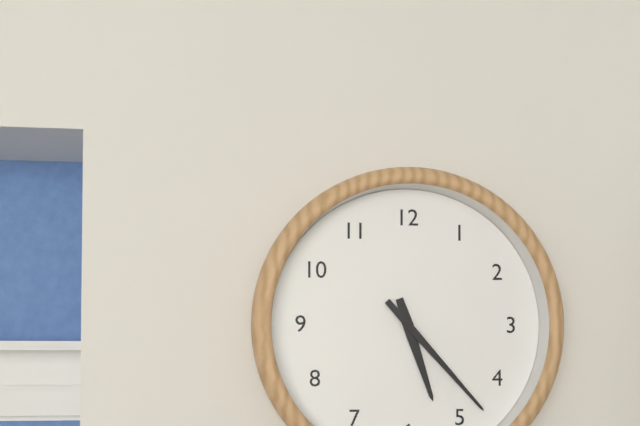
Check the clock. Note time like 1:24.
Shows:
5:23
